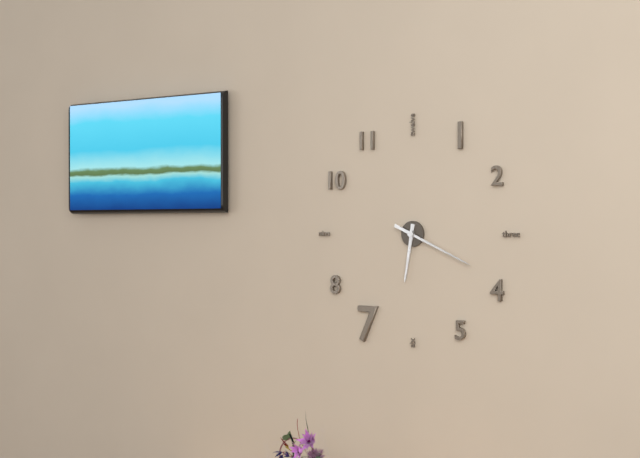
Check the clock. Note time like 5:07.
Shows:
6:19
